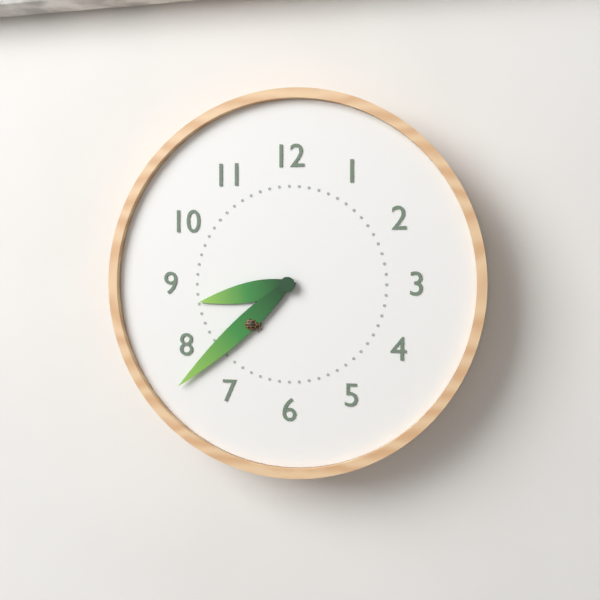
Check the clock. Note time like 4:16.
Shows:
8:38
